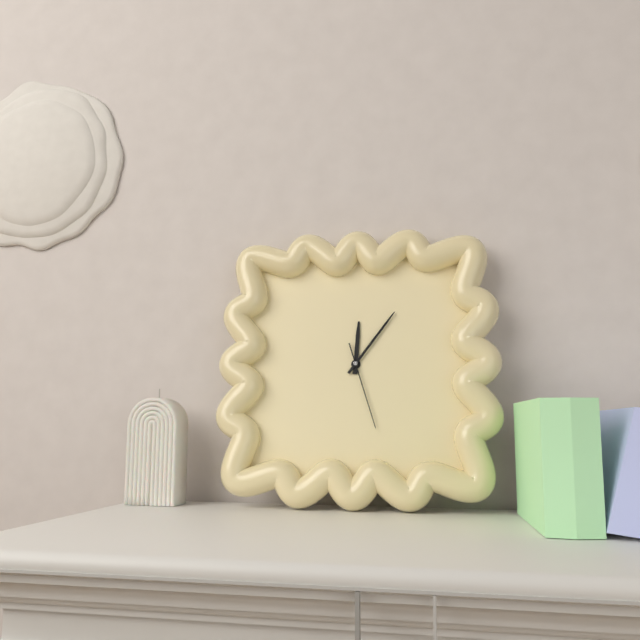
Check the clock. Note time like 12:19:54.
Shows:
12:06:27
